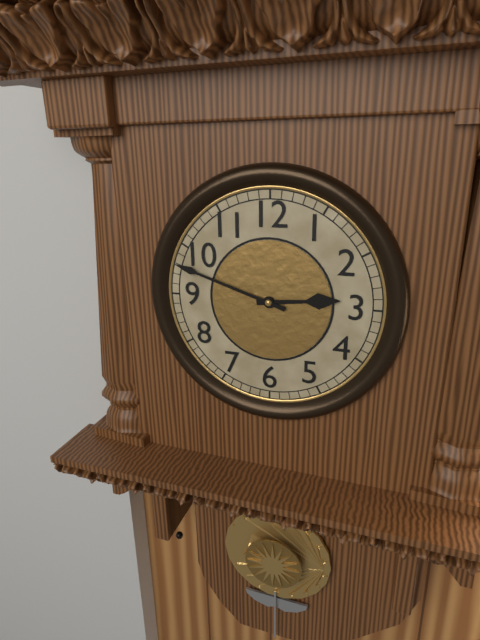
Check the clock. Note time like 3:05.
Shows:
2:48
